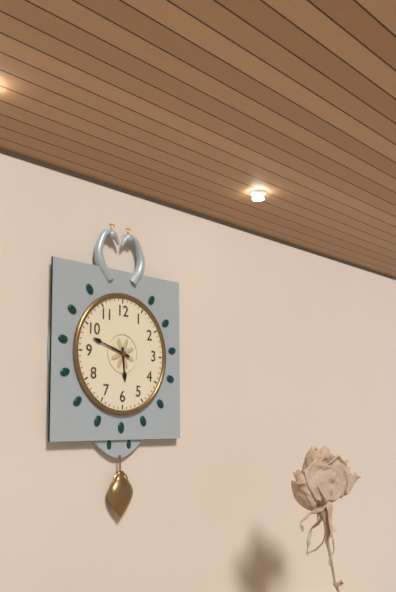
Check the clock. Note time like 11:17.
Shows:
5:48
